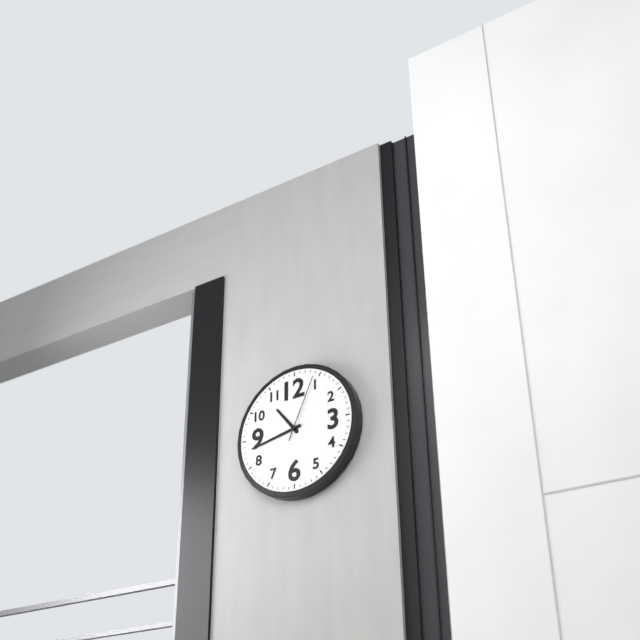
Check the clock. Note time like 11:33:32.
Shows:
10:43:04
